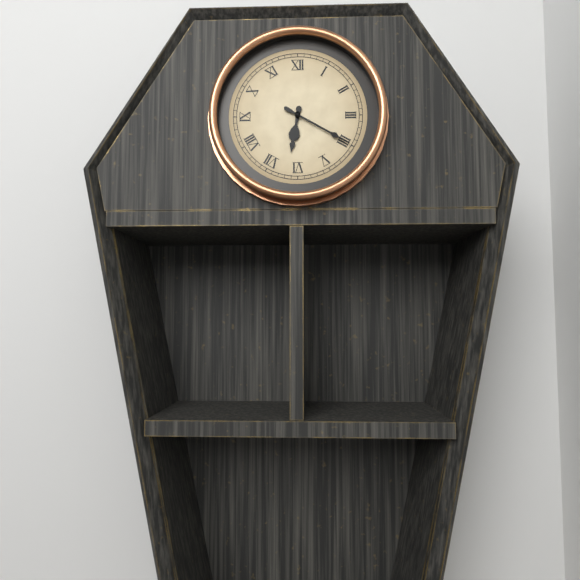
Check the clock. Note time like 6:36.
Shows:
6:20
